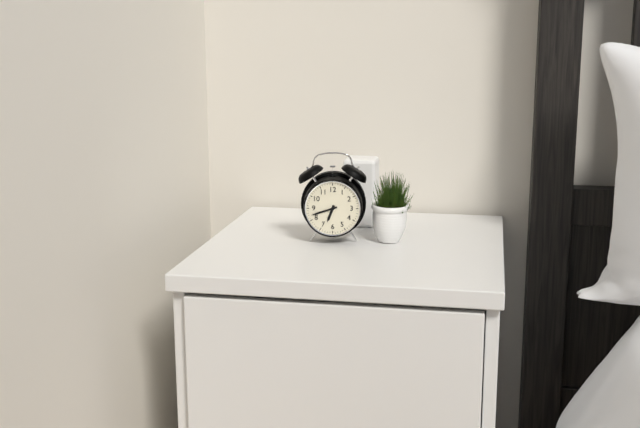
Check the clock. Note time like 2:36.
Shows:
6:42
